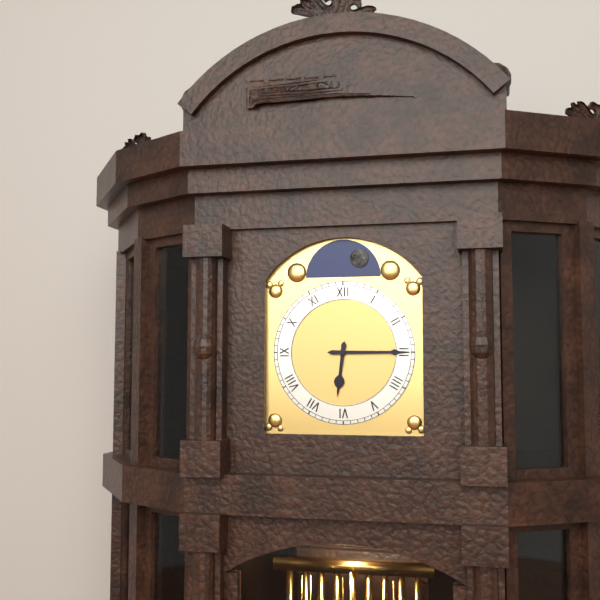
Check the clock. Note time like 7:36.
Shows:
6:15
